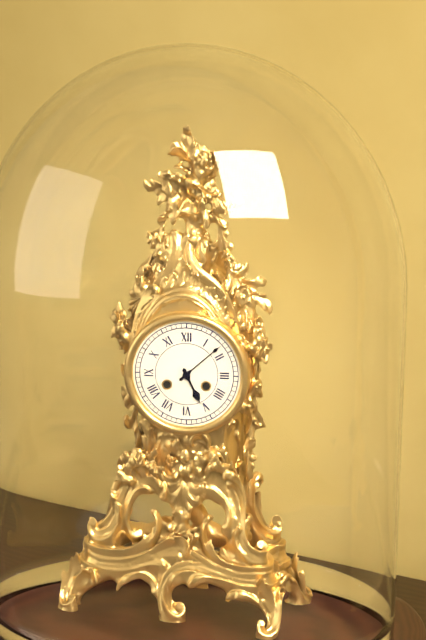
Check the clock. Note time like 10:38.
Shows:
5:08
